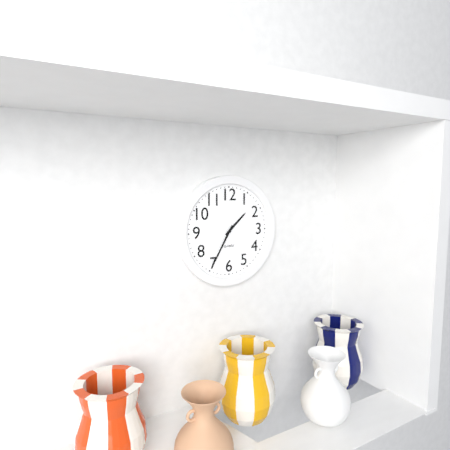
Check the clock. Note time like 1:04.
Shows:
1:35
